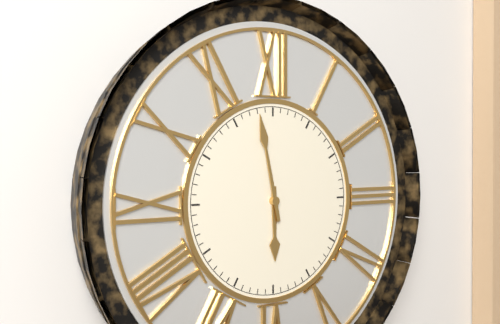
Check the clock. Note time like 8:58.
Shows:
5:58
